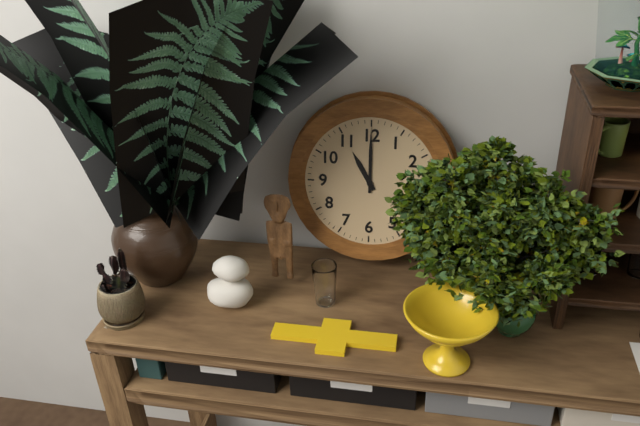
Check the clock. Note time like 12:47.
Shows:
11:00
